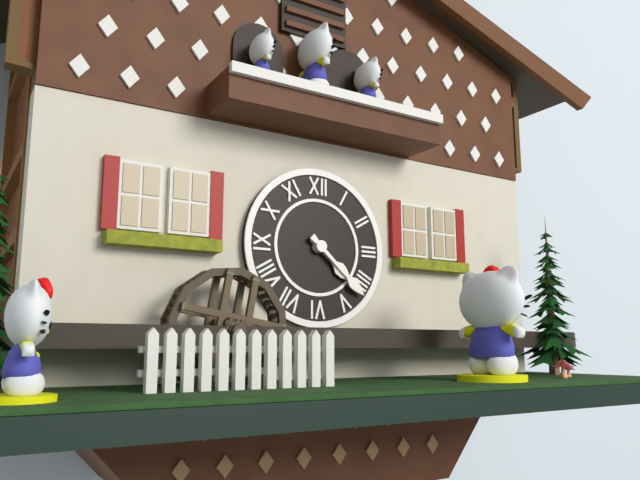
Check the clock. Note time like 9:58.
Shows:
4:22
